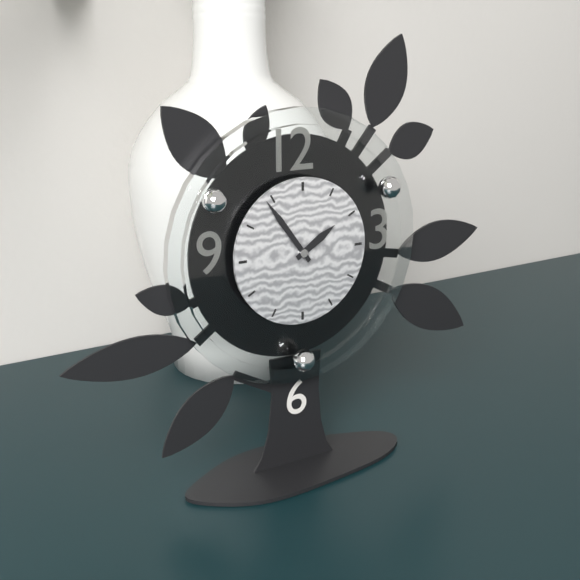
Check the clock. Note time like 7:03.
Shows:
1:54
